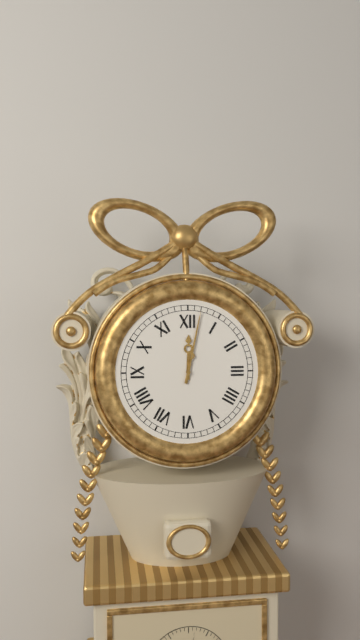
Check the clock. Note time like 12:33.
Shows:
12:02
